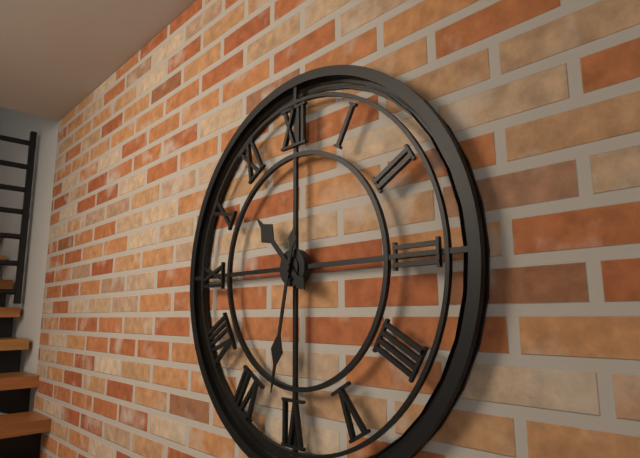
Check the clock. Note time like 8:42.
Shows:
10:32
